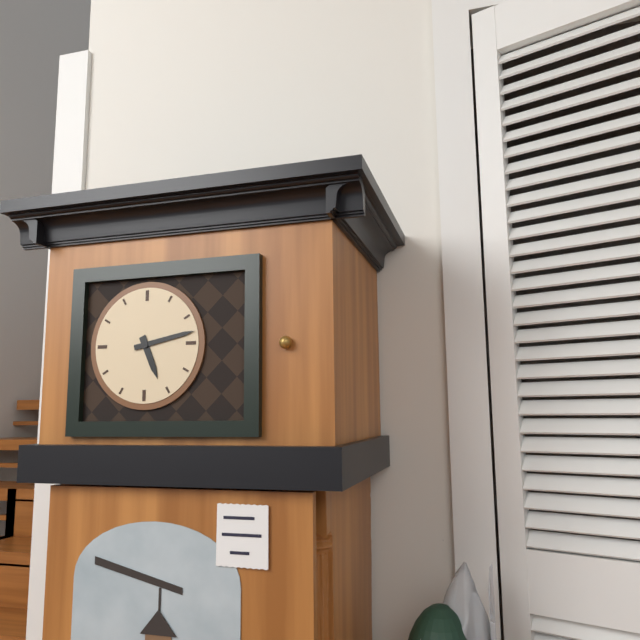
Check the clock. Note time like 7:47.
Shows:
5:13
